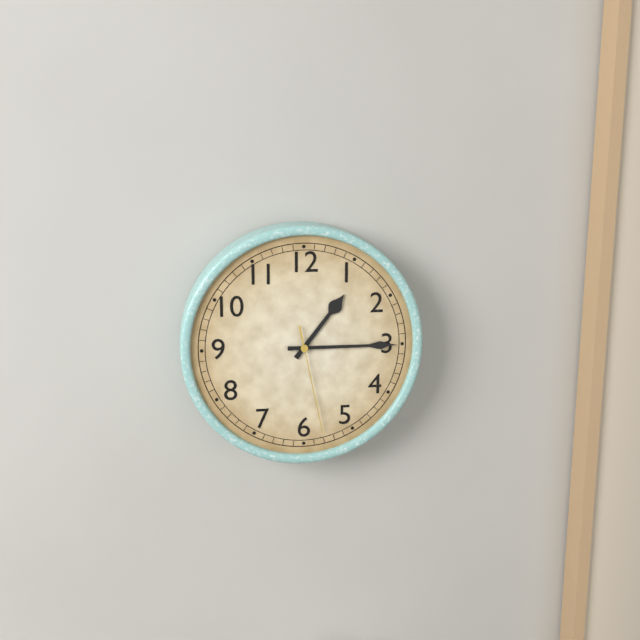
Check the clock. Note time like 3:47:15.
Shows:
1:15:28
